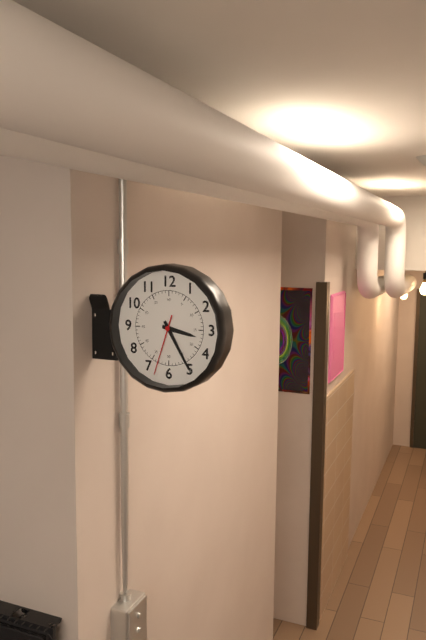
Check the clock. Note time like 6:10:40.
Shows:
3:25:33
